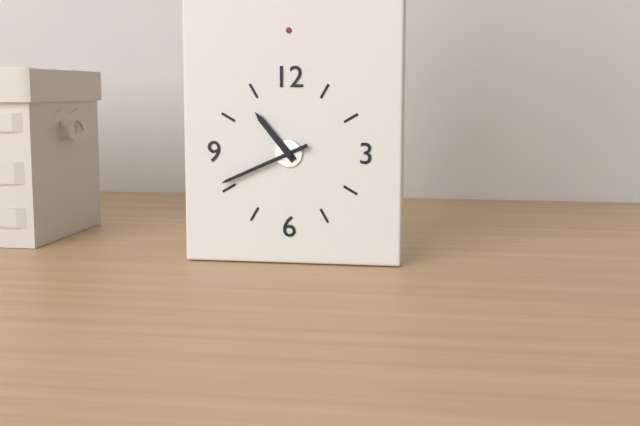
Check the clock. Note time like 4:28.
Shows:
10:41
